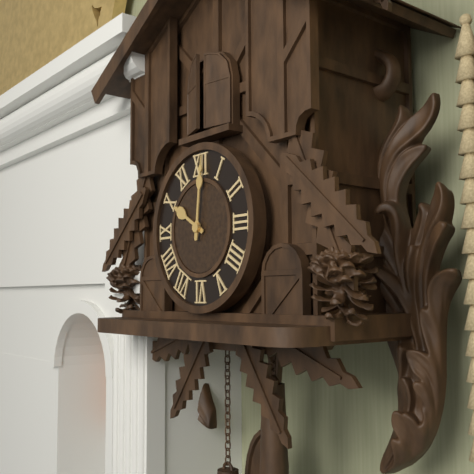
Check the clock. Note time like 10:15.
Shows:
10:01
